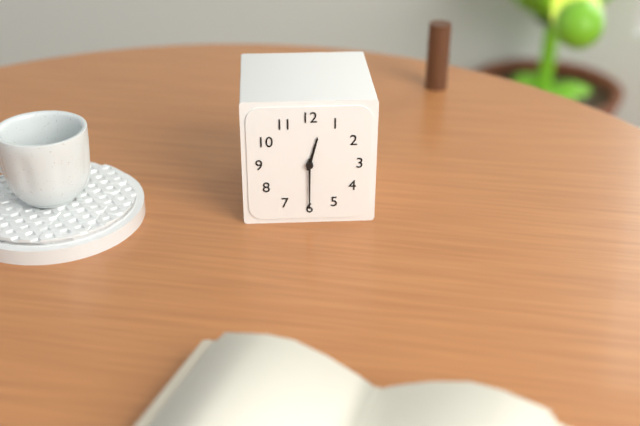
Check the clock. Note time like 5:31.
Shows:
12:30
